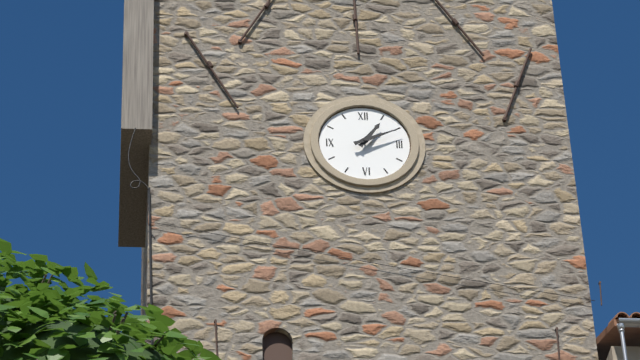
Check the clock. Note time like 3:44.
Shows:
1:11
